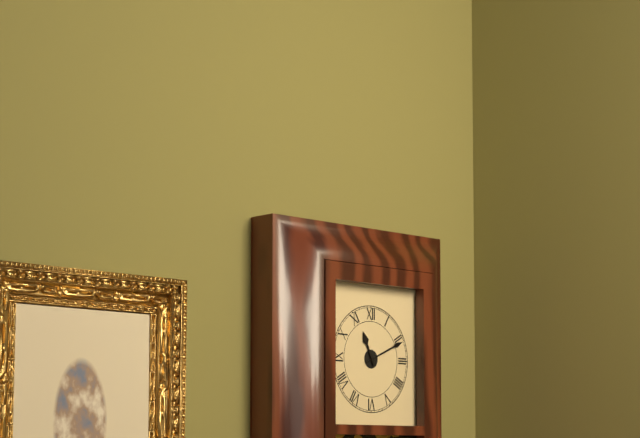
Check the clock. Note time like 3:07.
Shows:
11:11
